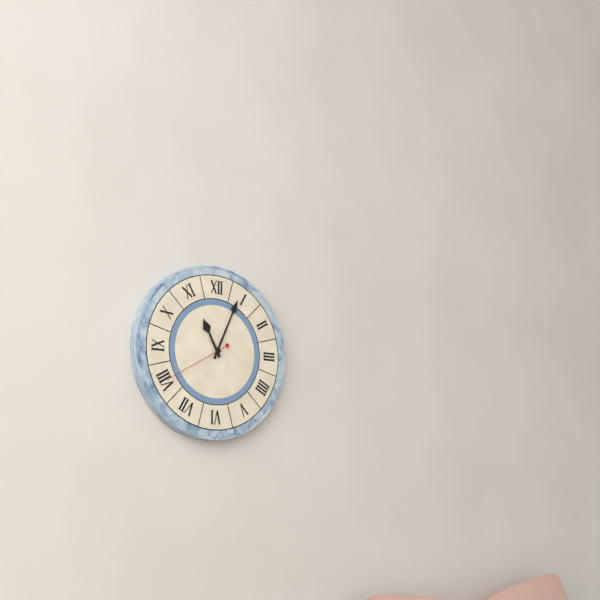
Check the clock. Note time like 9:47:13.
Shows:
11:04:40
